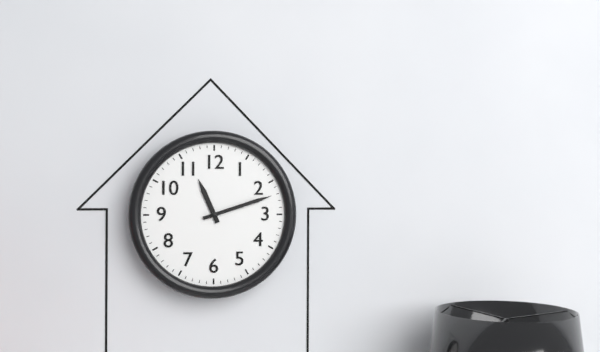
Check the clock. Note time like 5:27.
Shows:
11:12
